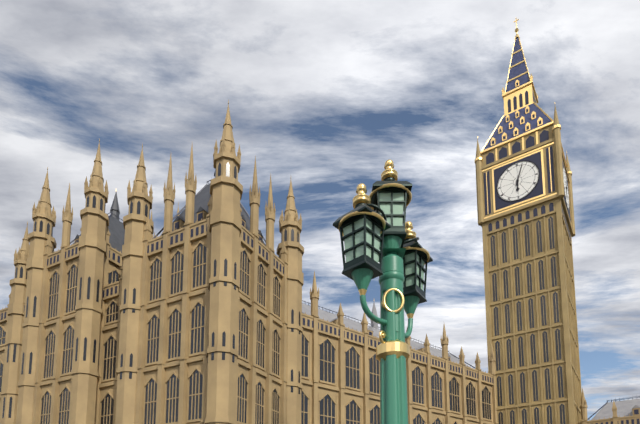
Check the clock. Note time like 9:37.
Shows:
6:03
